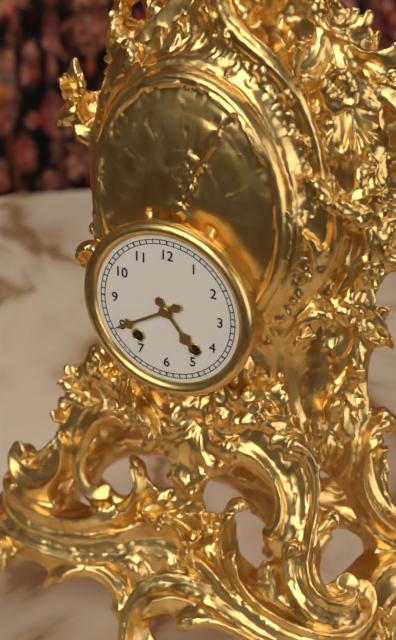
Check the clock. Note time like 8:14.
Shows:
4:40
